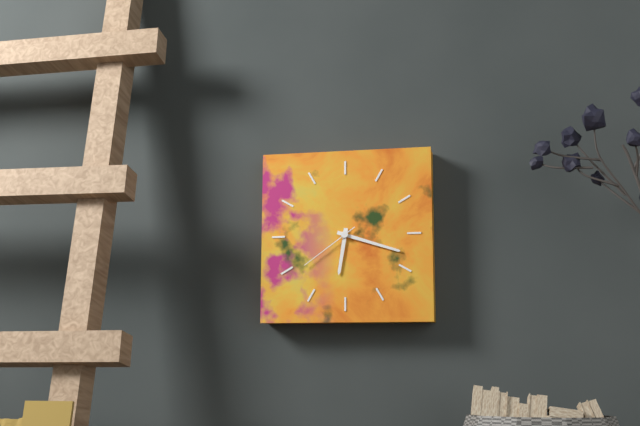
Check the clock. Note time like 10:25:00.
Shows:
6:18:39
